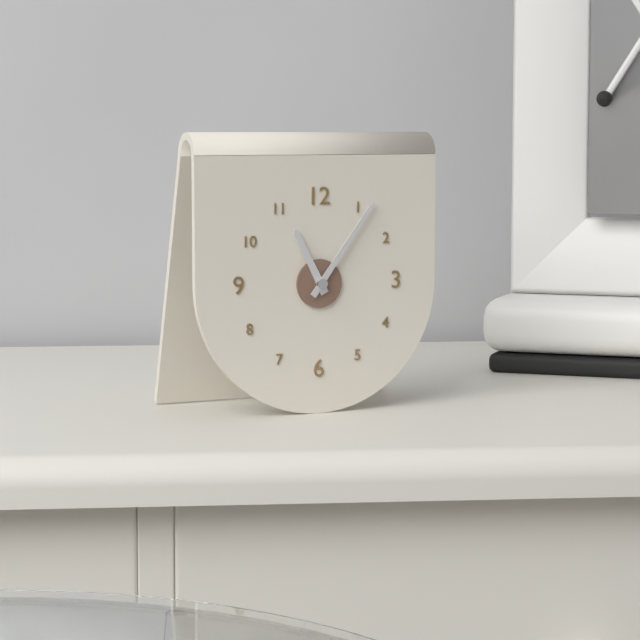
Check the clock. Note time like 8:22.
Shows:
11:06
